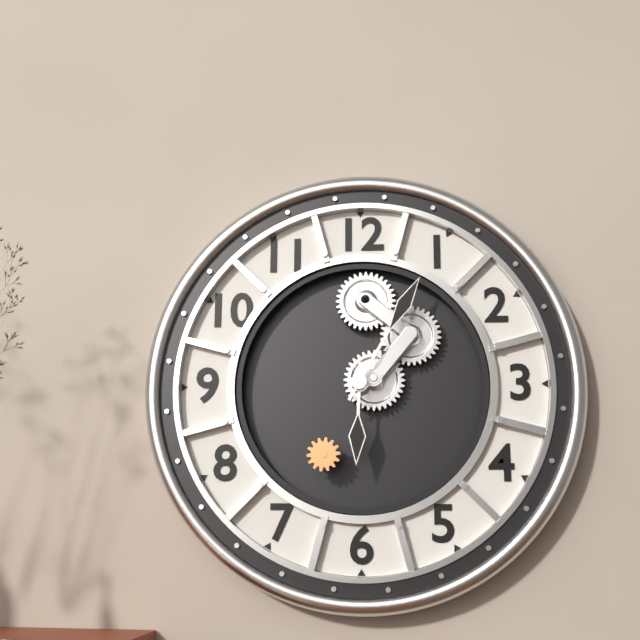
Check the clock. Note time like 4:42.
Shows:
6:05
